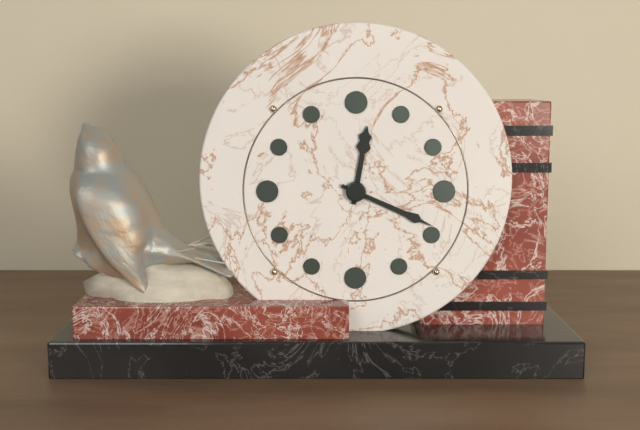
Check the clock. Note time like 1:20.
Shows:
12:19
